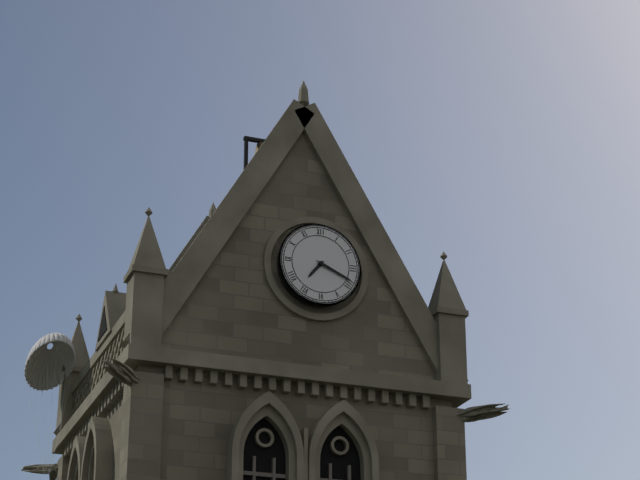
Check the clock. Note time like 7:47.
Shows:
7:19
